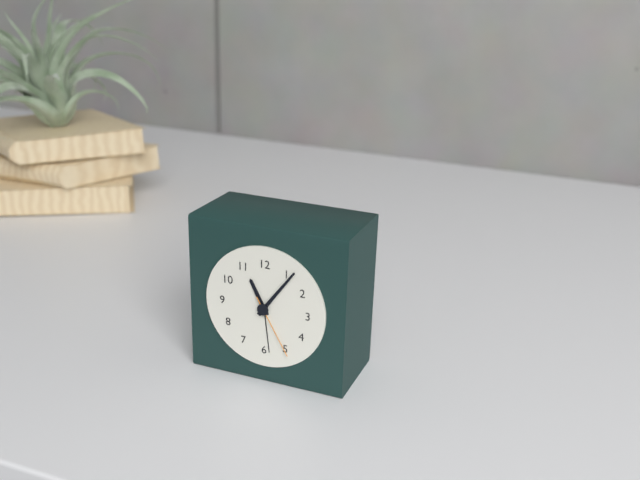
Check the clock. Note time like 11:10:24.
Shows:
11:06:25
